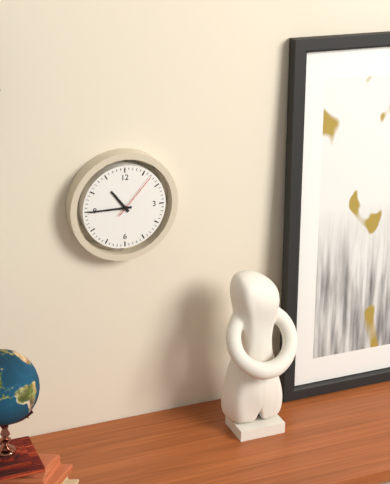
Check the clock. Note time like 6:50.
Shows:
10:45
